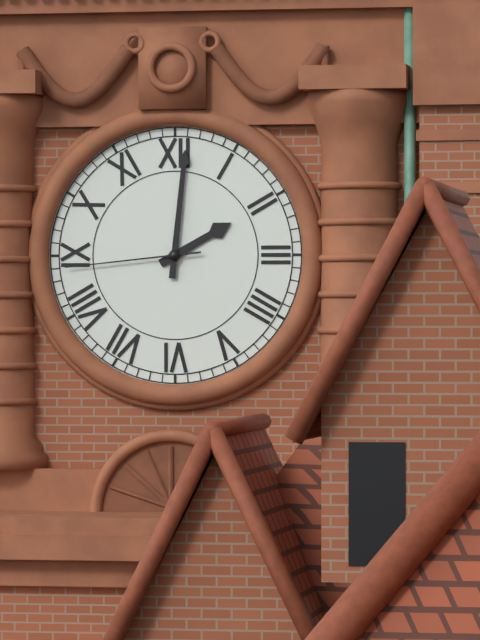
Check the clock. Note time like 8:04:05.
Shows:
2:01:44
